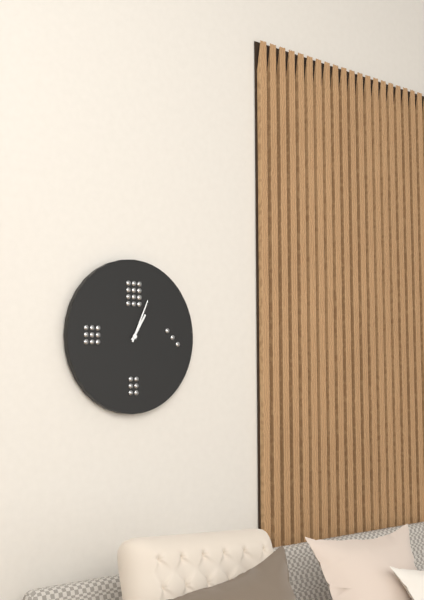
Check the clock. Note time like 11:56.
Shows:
1:04
